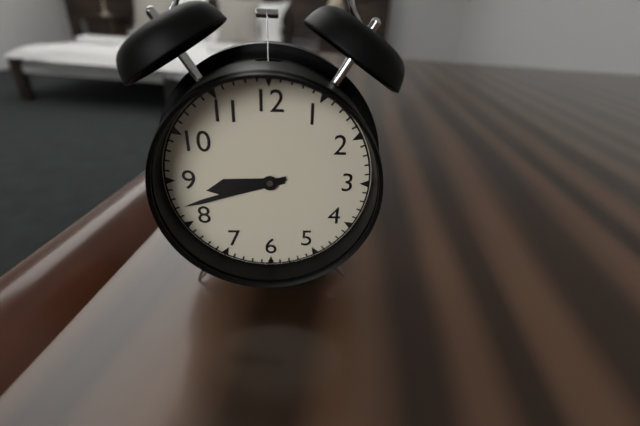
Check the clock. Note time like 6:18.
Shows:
8:42
